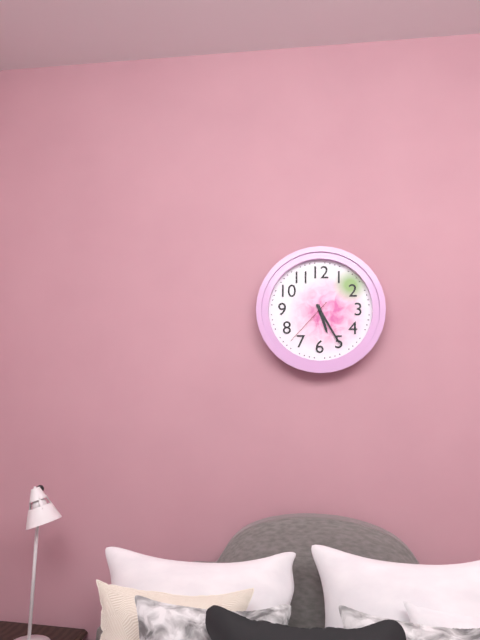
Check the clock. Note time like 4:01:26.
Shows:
5:25:37
